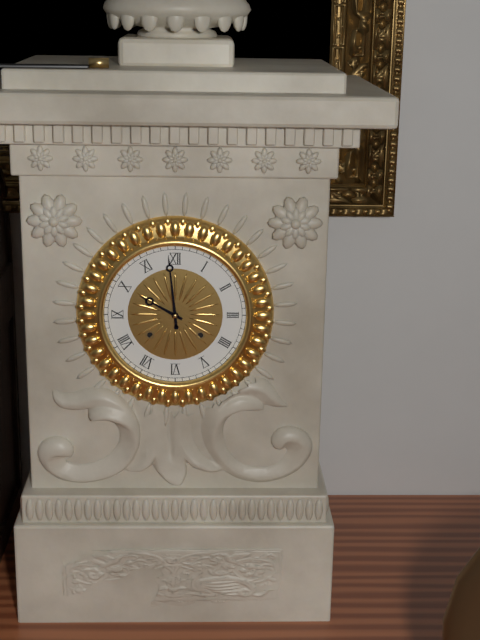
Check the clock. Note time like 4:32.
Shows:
9:59
